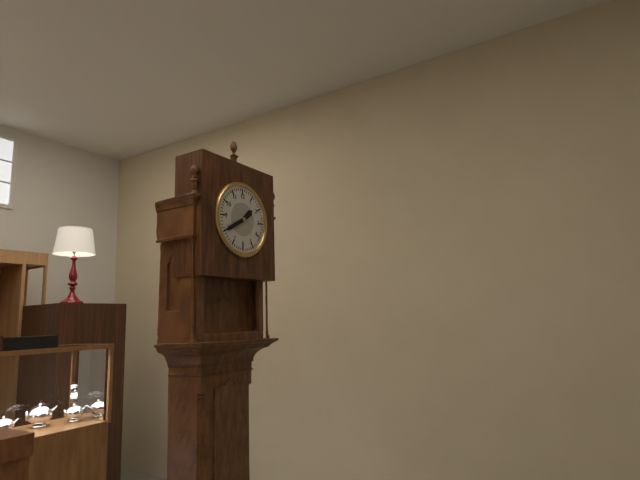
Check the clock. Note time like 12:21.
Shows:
1:40
